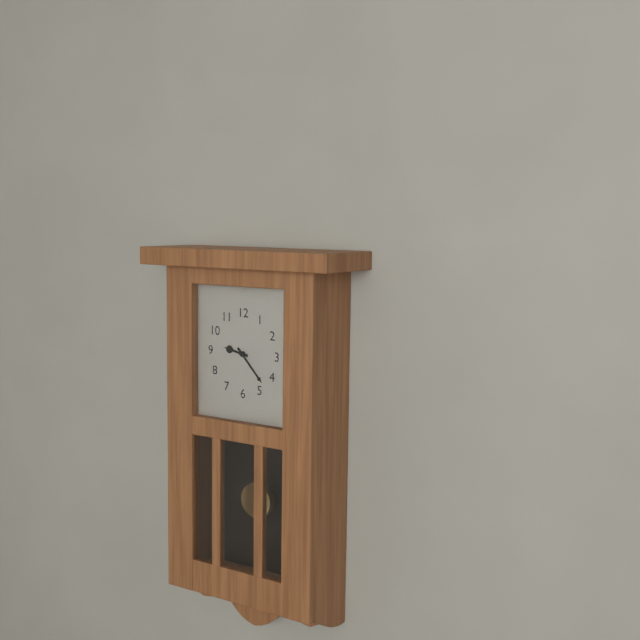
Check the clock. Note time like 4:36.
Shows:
9:23
